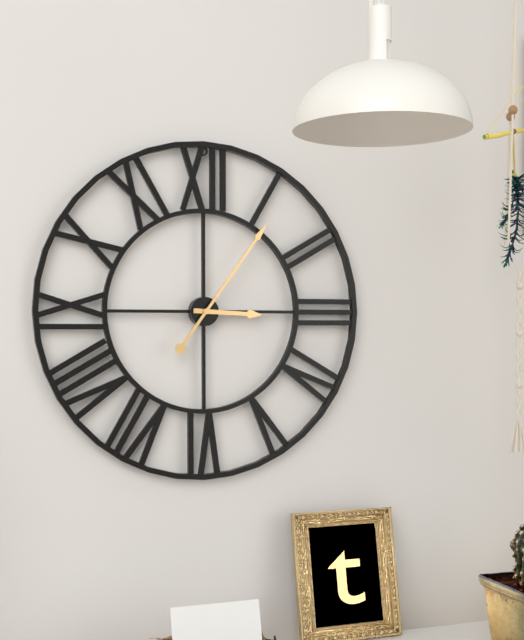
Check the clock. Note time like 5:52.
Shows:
3:06
